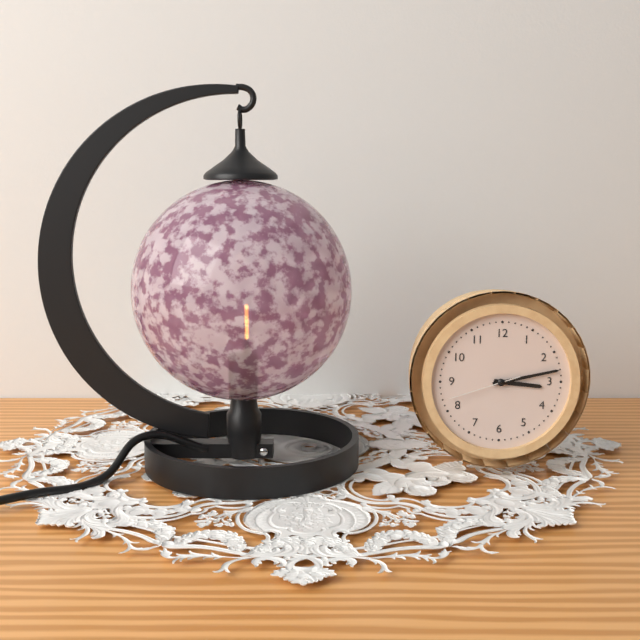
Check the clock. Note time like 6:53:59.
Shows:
3:13:42
